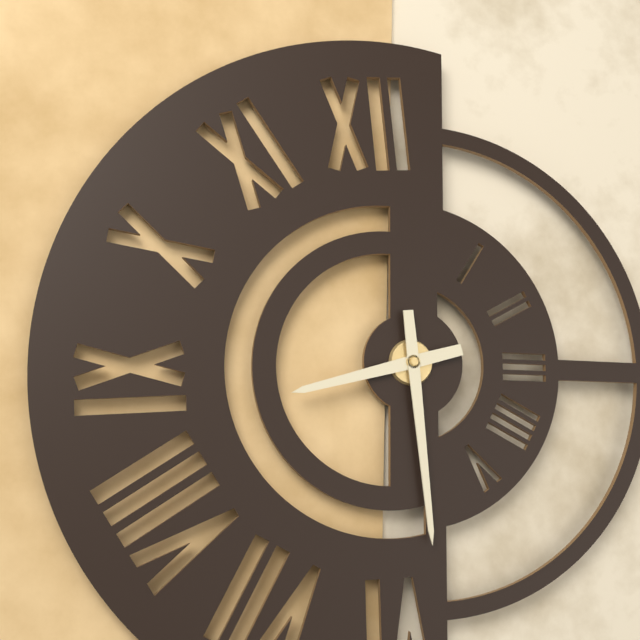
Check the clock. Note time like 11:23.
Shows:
8:29
